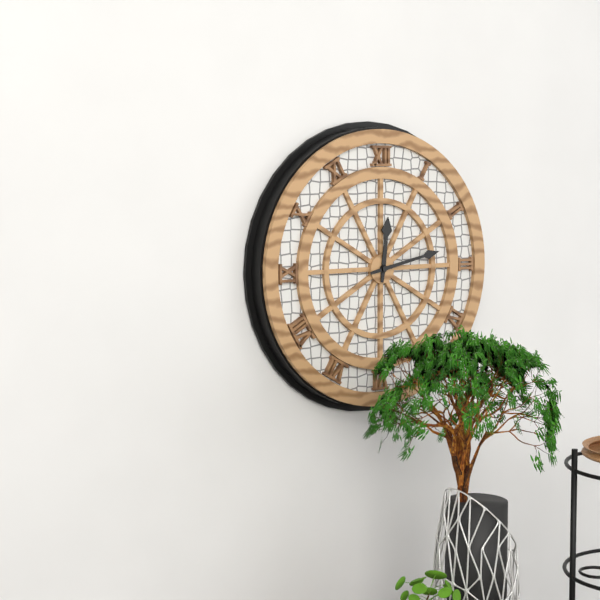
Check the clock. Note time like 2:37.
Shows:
12:13
